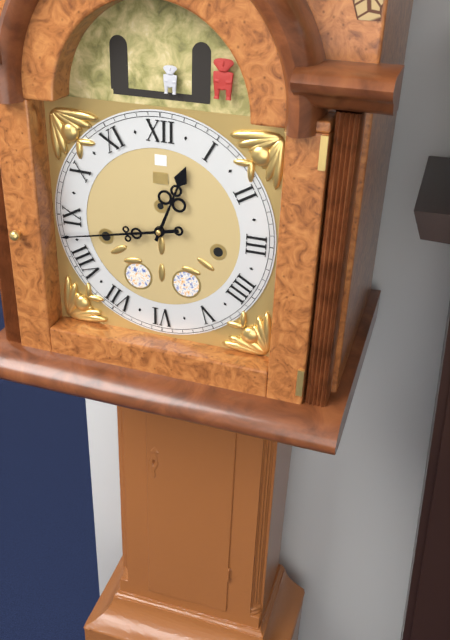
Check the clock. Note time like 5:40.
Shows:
12:43
